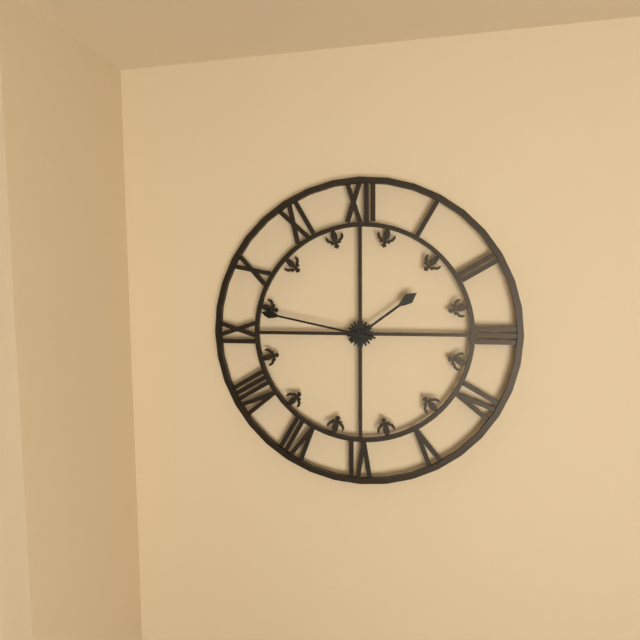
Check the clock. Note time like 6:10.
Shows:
1:47
